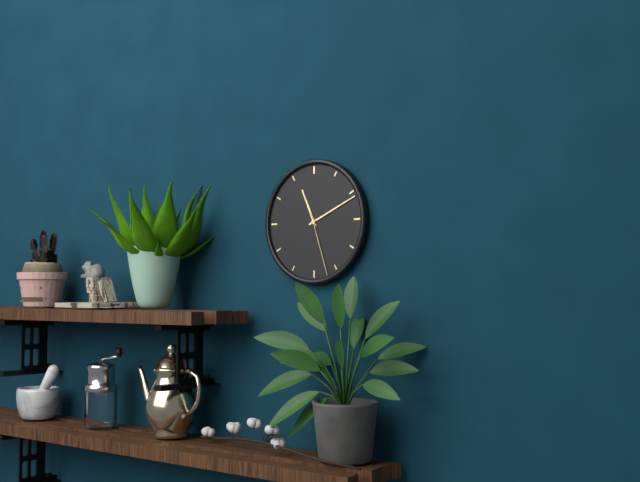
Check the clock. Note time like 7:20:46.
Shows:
11:11:27
